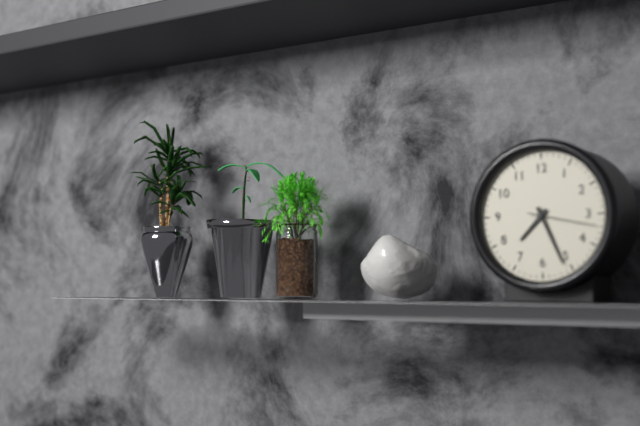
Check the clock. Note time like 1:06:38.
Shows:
7:26:17
